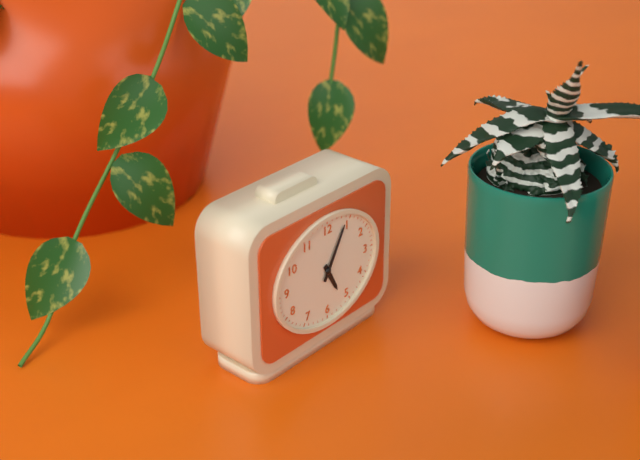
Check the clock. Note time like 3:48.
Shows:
5:05
